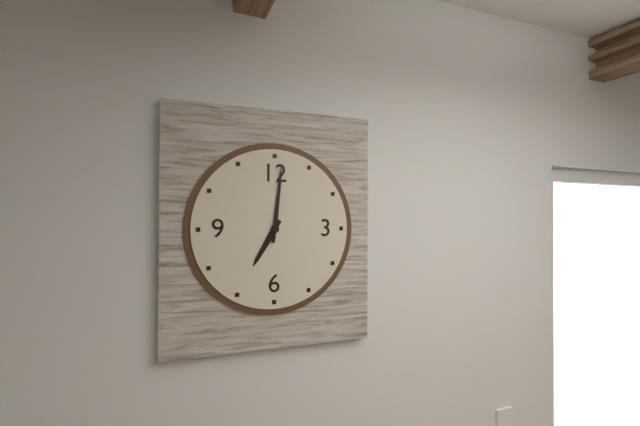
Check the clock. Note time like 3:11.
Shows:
7:01
